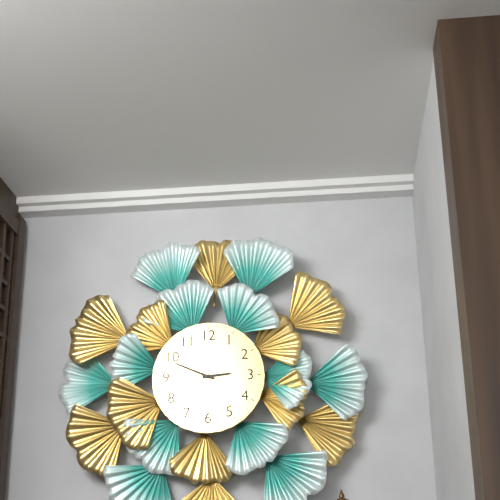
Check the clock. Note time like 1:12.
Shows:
2:49
